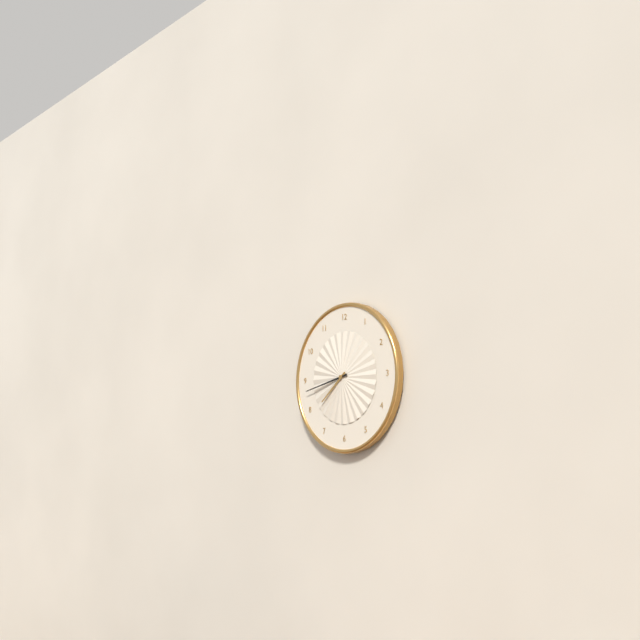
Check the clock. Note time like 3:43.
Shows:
7:43
